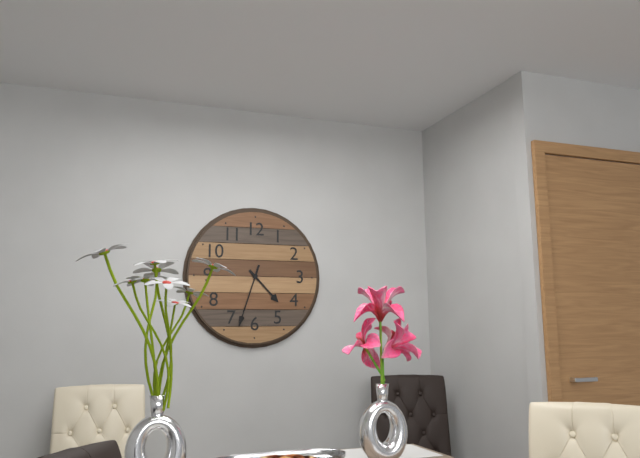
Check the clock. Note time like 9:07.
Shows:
4:33
